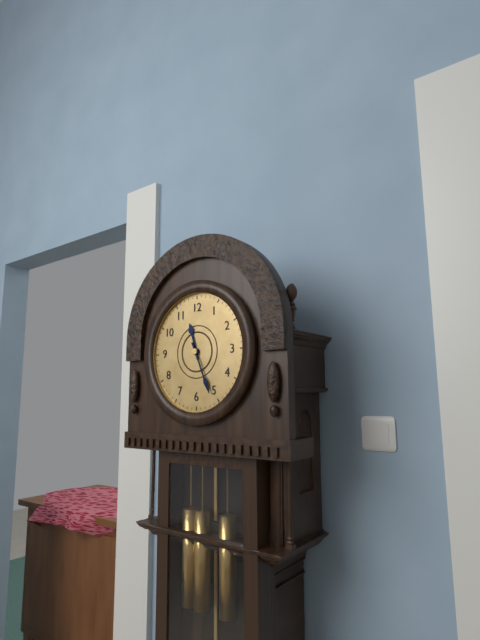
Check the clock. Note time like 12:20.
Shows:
11:26
